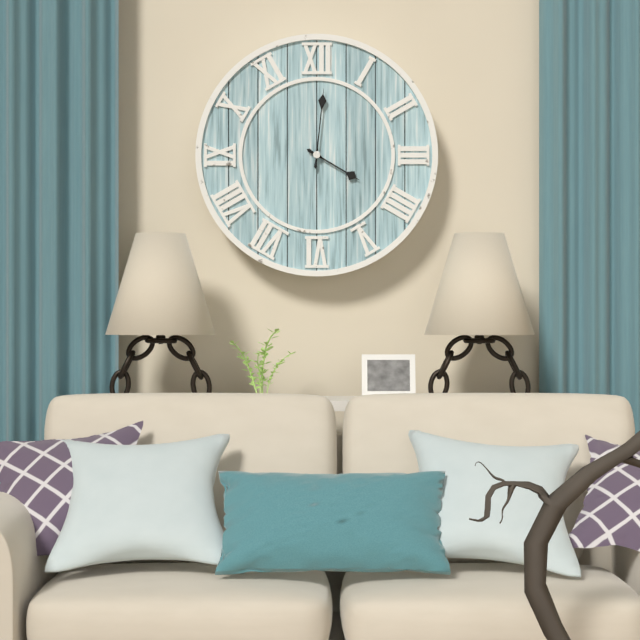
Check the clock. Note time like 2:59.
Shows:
4:01
